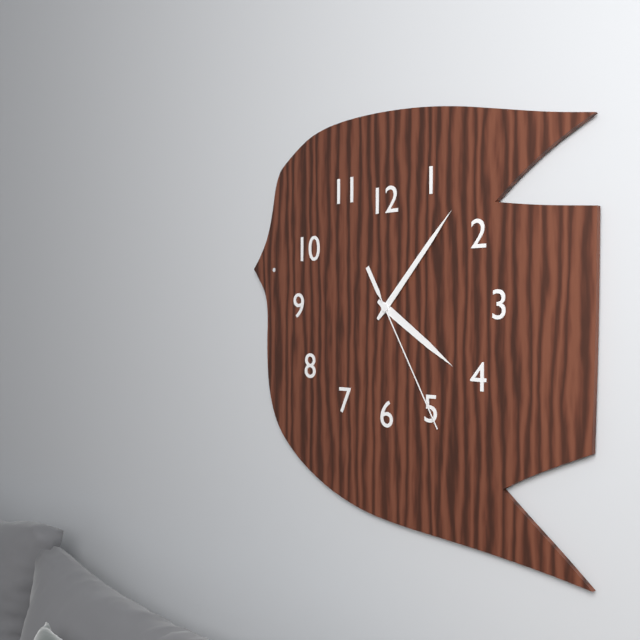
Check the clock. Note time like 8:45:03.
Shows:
4:07:25
